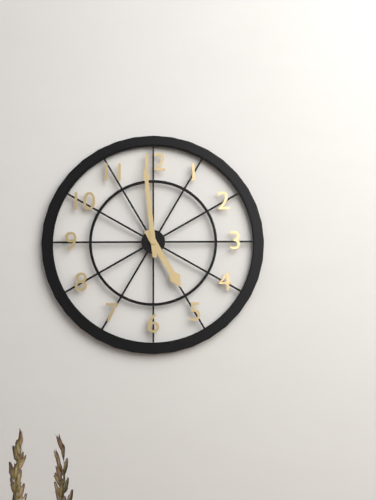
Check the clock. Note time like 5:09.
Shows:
4:59
